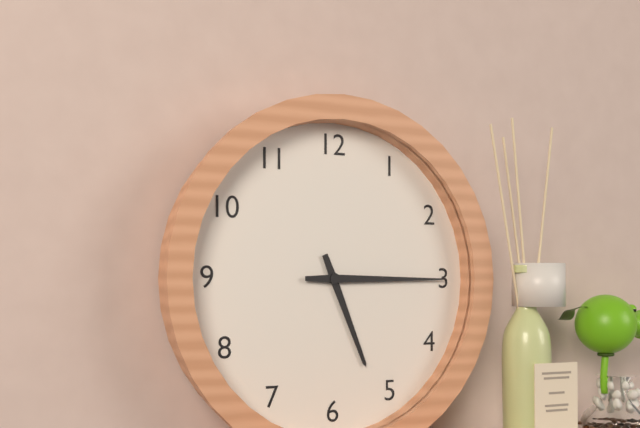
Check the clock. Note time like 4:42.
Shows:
5:15
